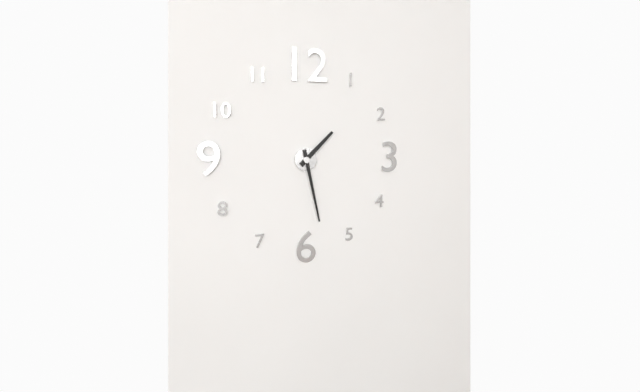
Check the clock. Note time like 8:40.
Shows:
1:28
